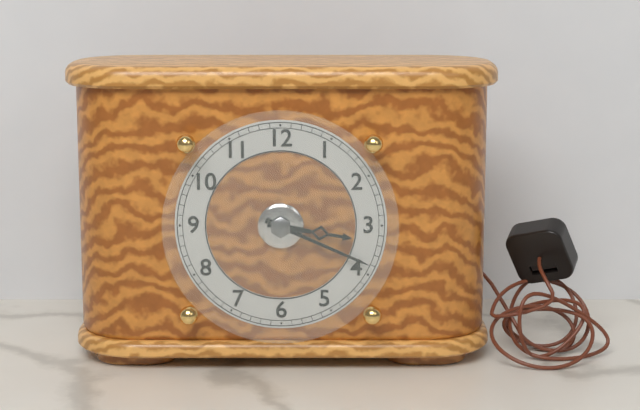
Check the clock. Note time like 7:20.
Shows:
3:19
